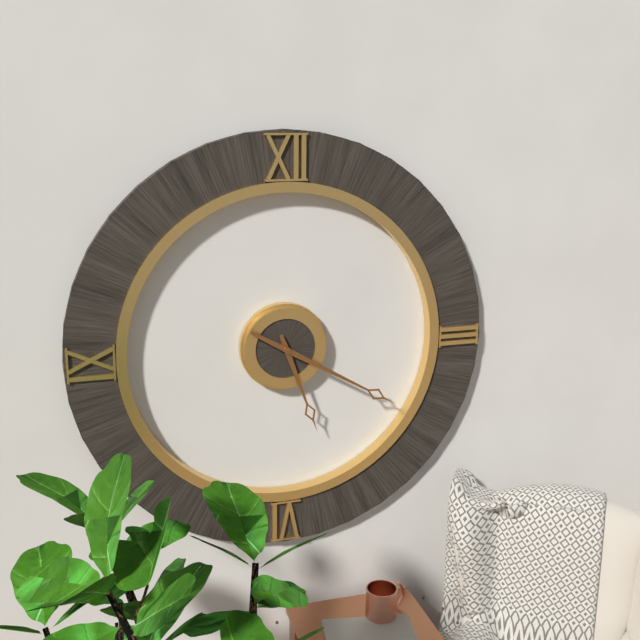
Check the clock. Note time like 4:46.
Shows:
5:20
